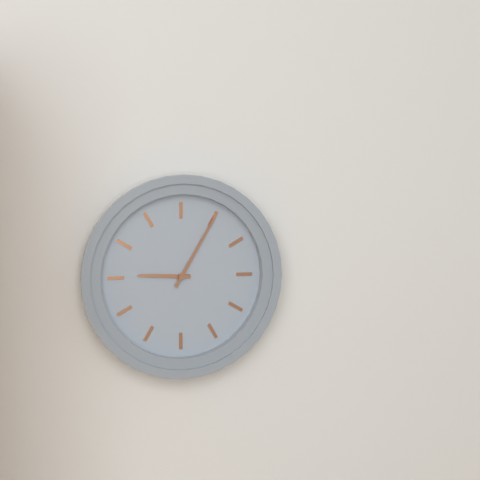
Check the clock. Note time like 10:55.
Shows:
9:05
